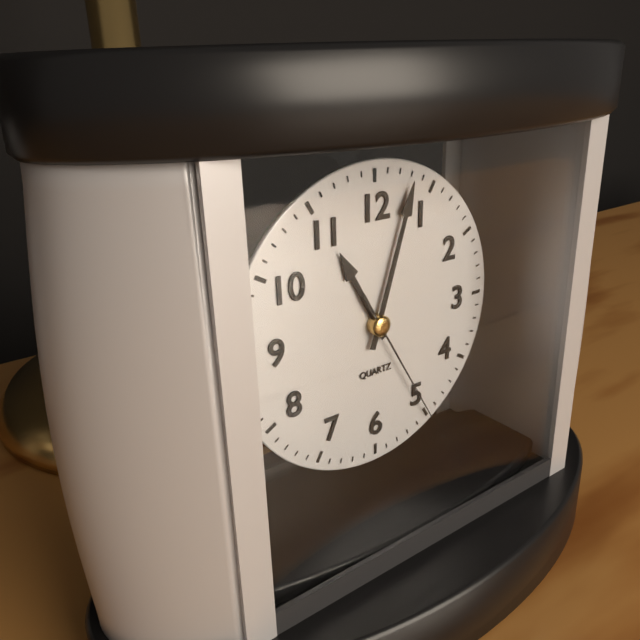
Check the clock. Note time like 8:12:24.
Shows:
11:03:25
